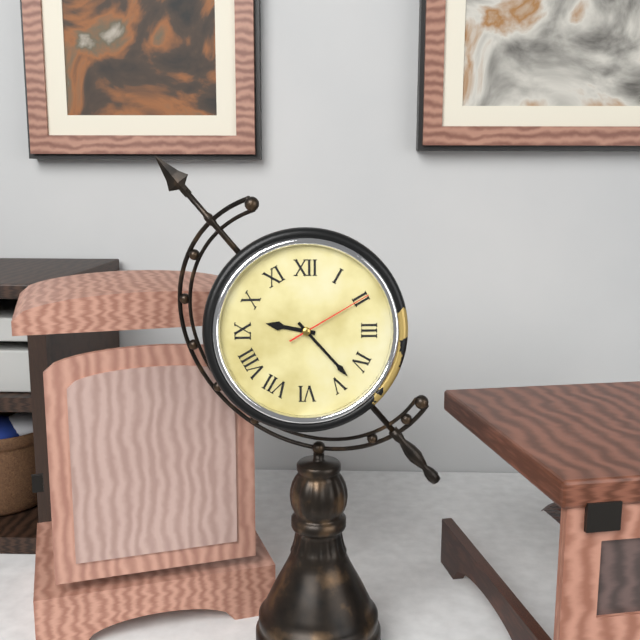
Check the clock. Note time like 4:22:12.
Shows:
9:23:10
